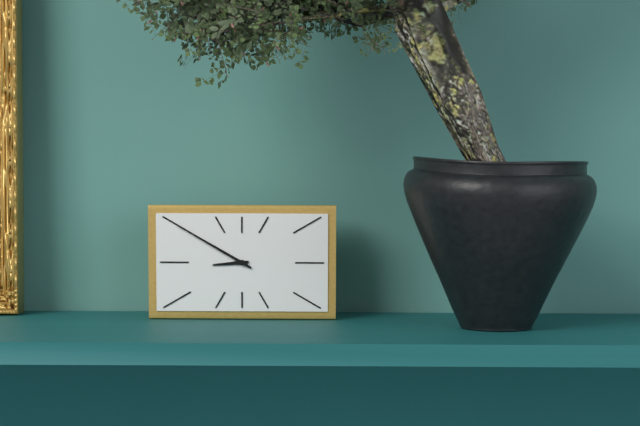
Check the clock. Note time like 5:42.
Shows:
8:50
